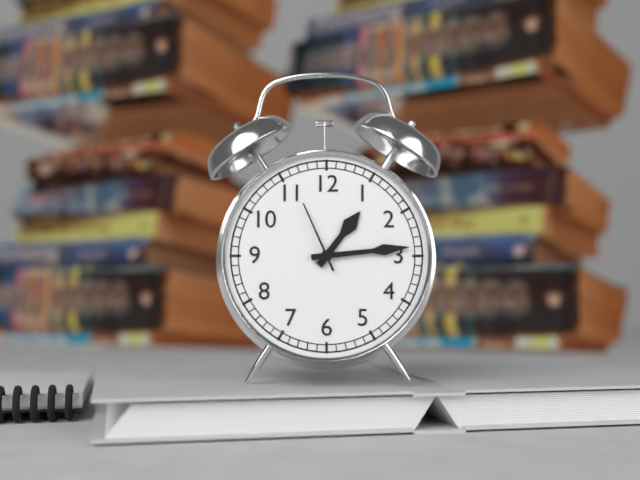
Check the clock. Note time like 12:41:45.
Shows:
1:14:56
